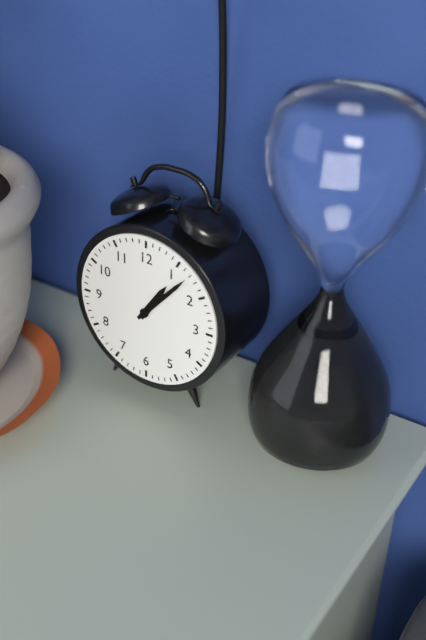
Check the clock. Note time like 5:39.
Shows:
1:07
